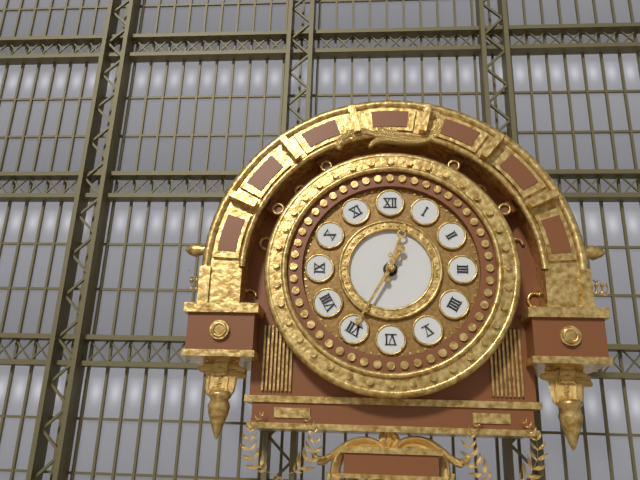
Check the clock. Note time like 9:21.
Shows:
12:35
